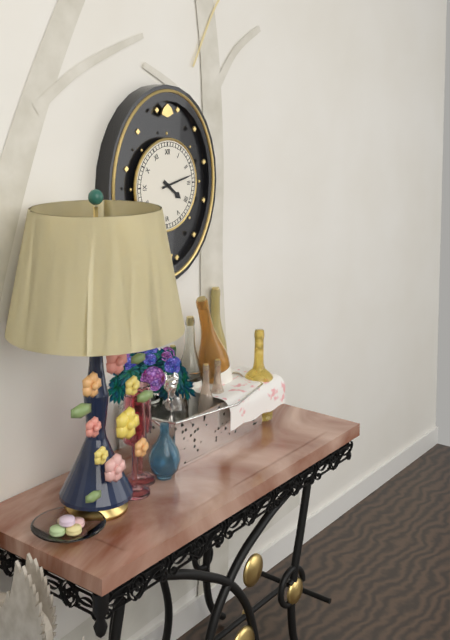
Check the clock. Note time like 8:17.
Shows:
4:13
